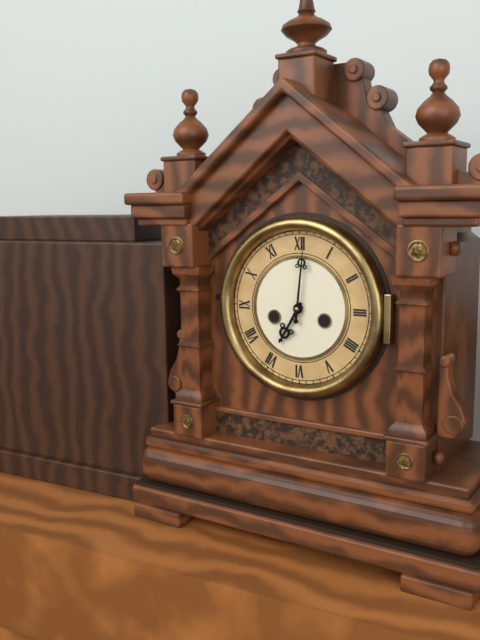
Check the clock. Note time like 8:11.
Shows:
7:01
